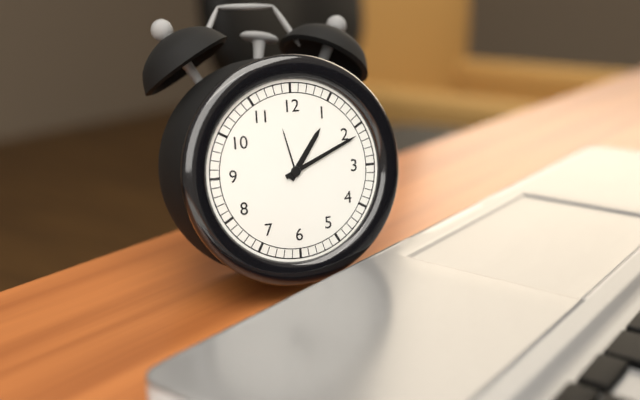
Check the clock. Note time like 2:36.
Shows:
1:11
